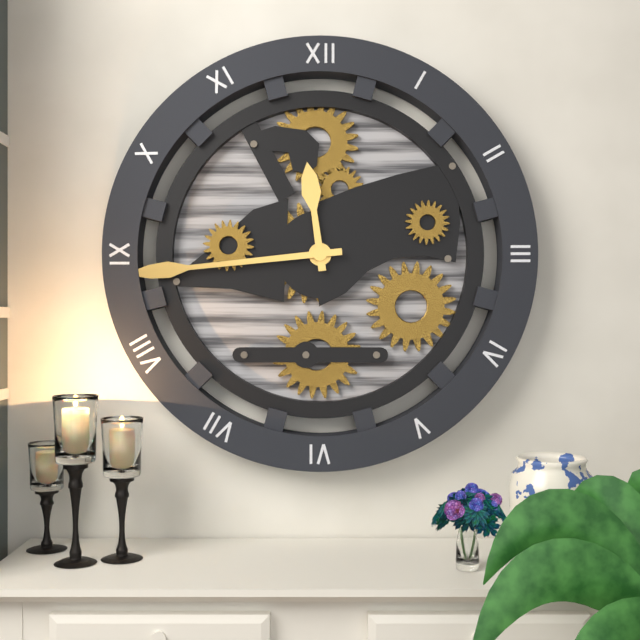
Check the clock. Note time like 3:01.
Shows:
11:44
